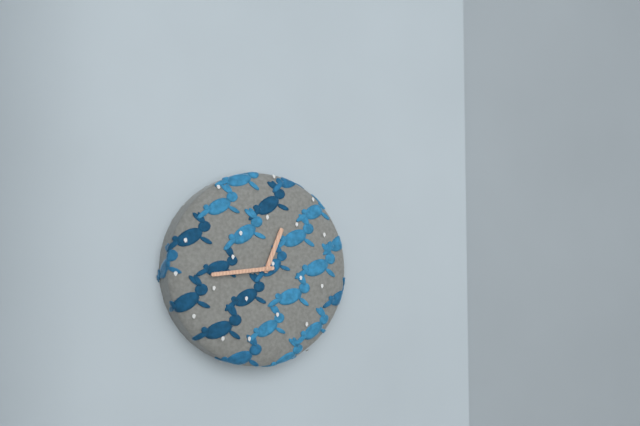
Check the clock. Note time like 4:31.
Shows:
12:44
